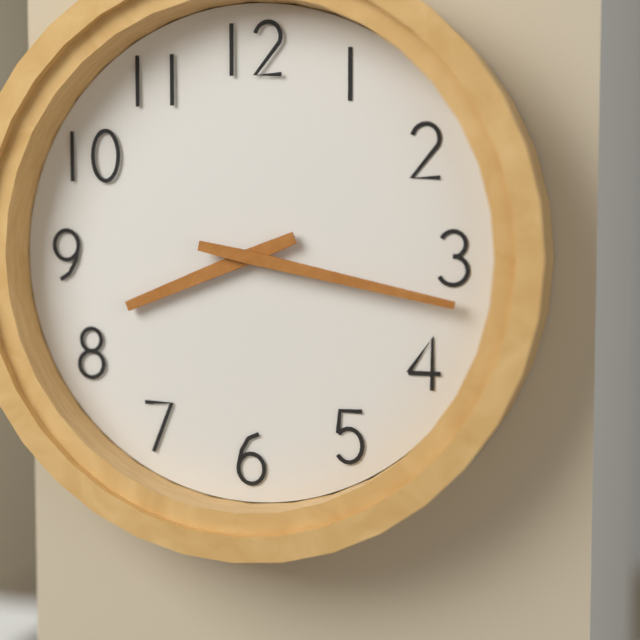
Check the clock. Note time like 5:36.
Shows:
8:17
